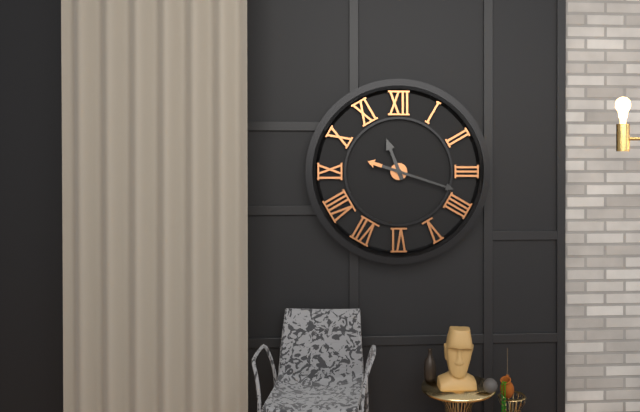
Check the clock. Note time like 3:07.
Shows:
11:18
